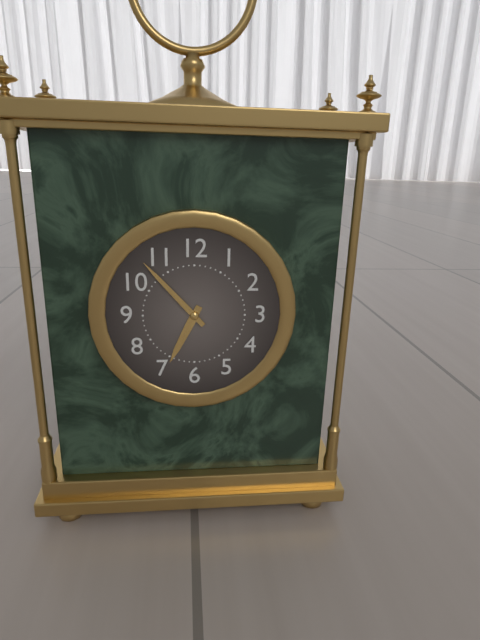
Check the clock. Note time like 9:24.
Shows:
6:53
